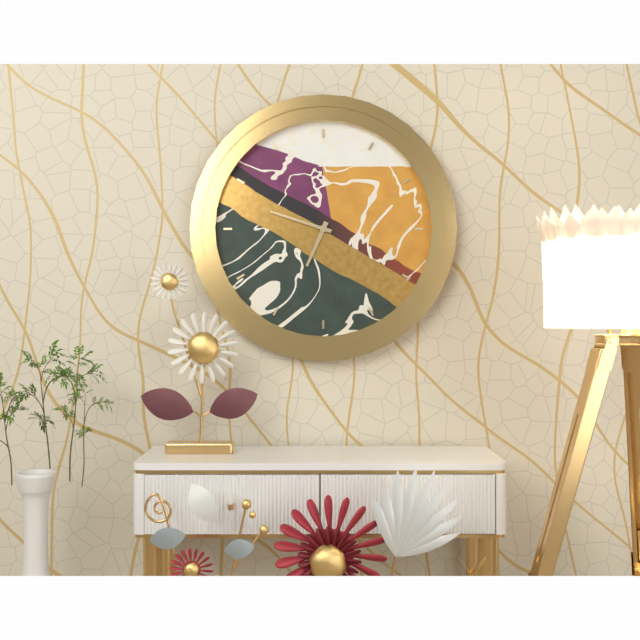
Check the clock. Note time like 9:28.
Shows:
6:48
